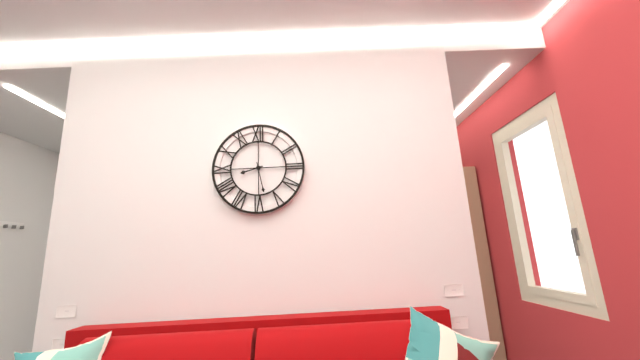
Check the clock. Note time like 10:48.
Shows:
8:28
